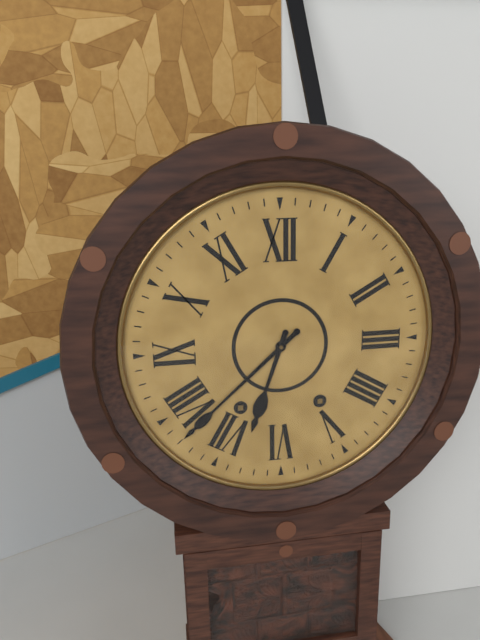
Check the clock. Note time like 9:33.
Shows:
6:38
